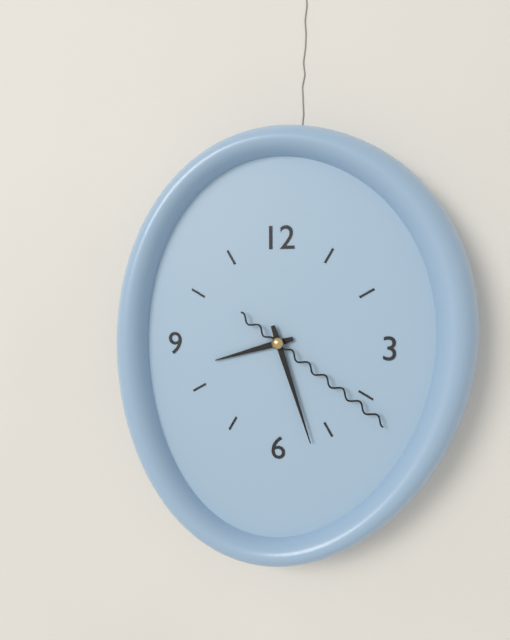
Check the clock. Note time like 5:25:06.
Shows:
8:27:21
